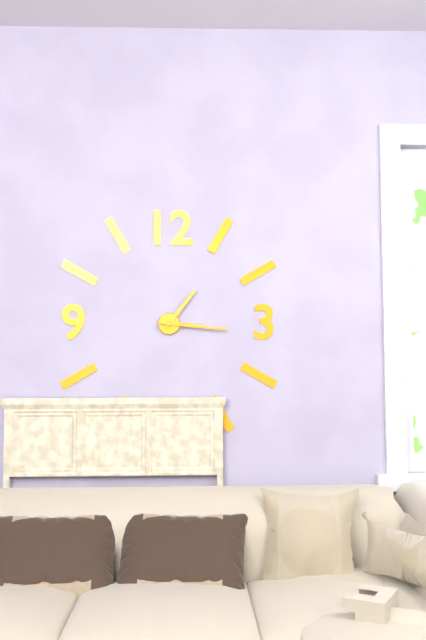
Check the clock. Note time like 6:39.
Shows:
1:16
